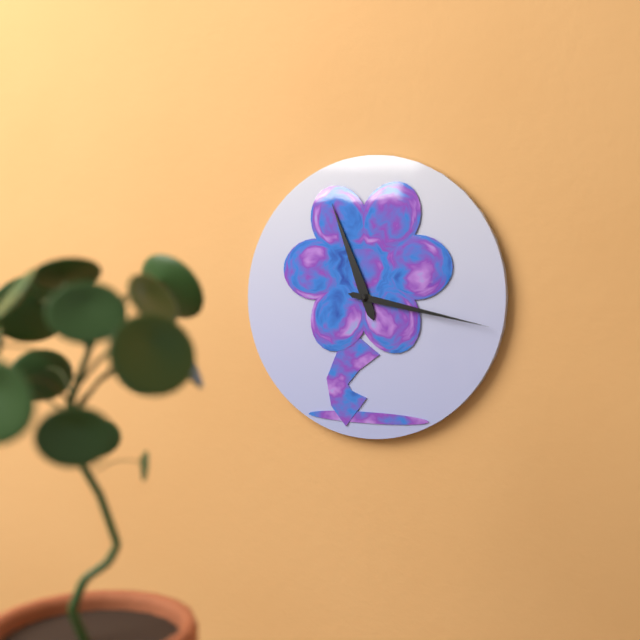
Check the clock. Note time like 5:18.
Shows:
11:17
